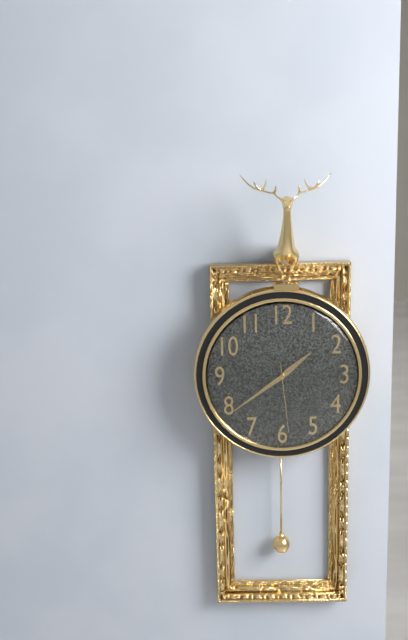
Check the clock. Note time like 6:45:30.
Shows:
1:39:29
